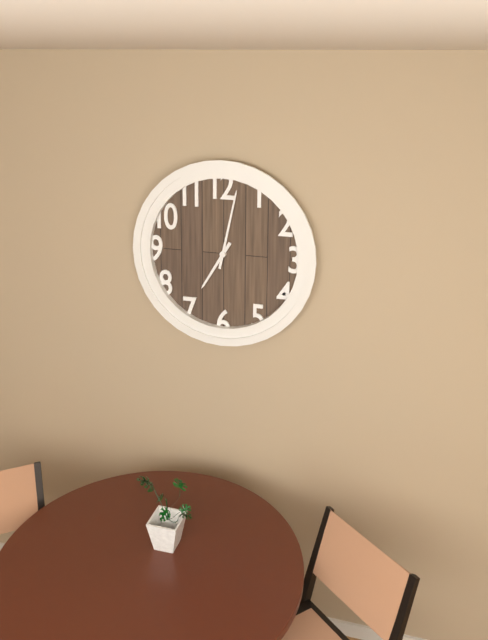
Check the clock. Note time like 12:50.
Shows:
7:02
